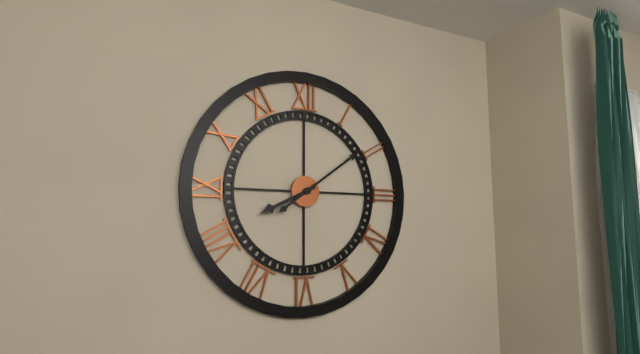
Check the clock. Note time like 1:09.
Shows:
8:09
